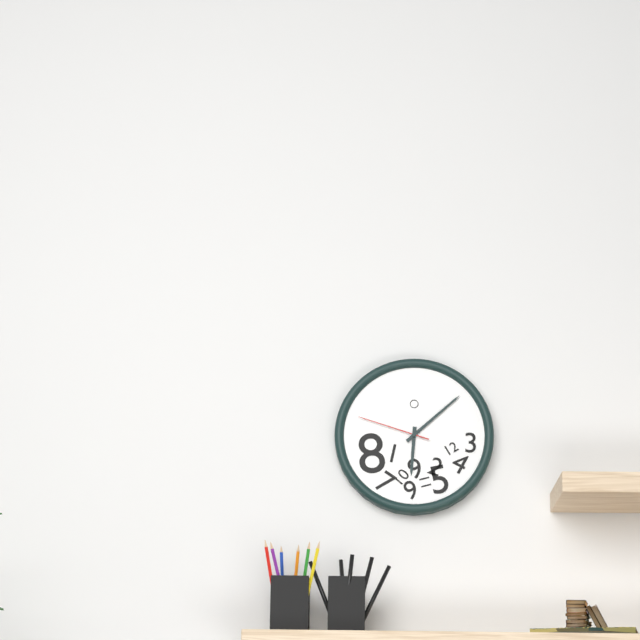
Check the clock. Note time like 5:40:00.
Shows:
6:08:48
